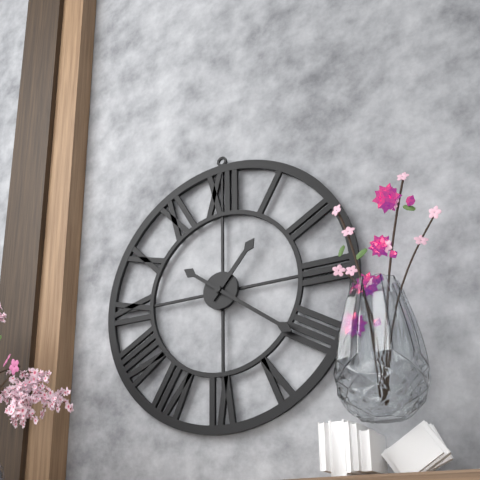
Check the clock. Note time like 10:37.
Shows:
1:21
